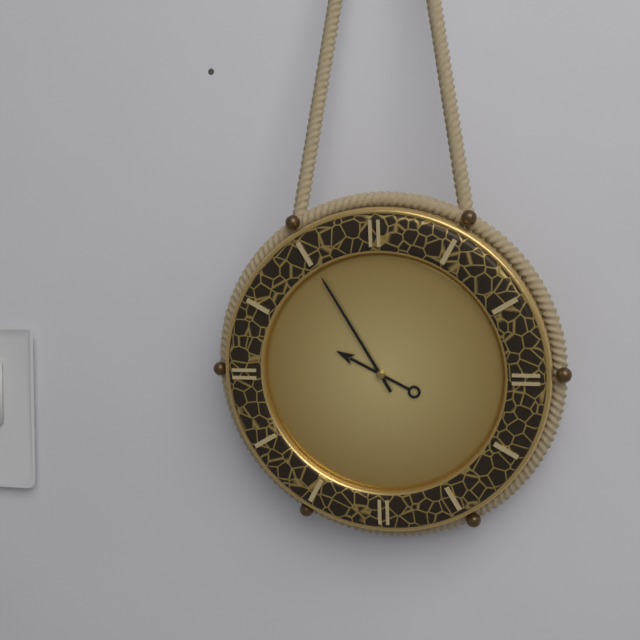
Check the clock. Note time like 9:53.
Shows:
9:55
